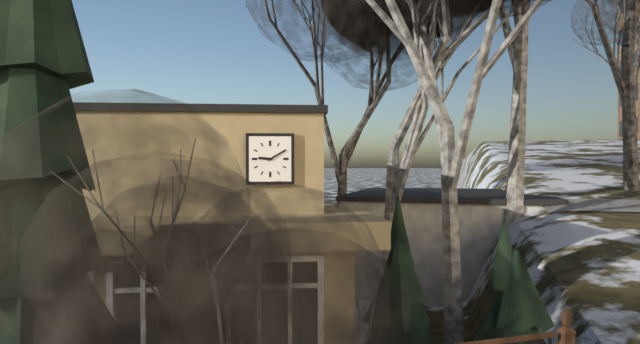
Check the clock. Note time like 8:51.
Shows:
9:10
